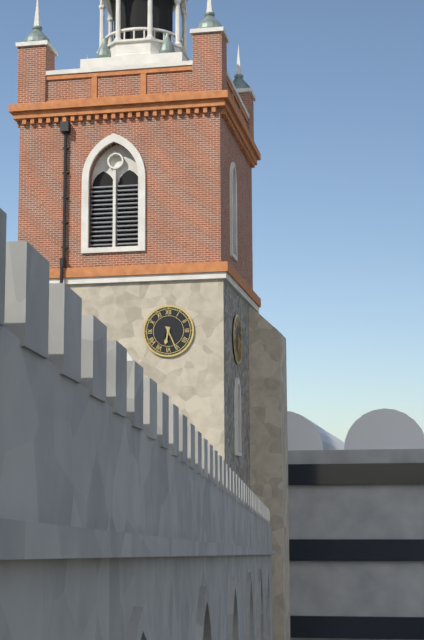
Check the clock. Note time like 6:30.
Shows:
6:26
